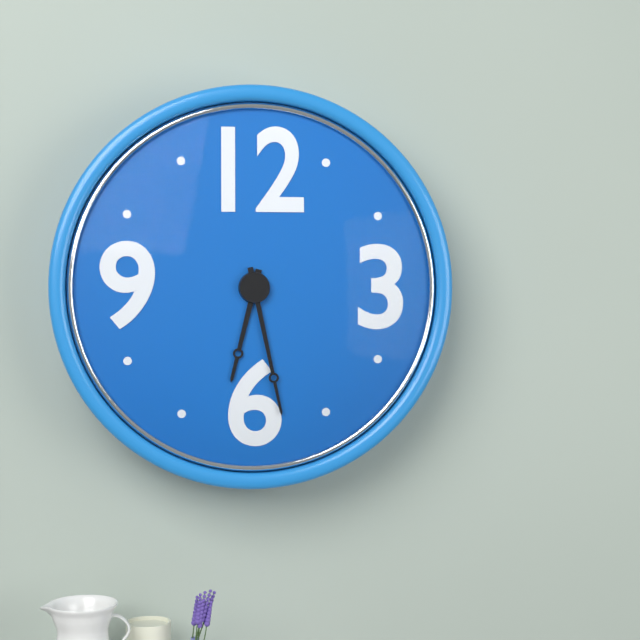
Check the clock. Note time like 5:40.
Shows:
6:28
